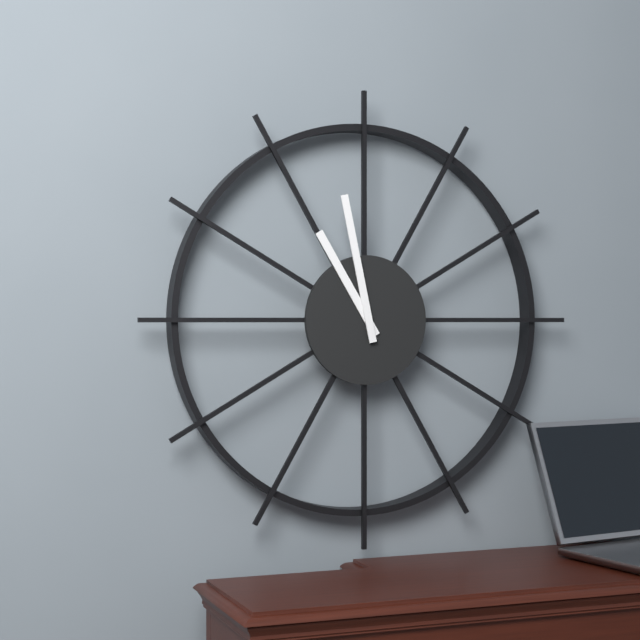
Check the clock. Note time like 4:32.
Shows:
10:58
